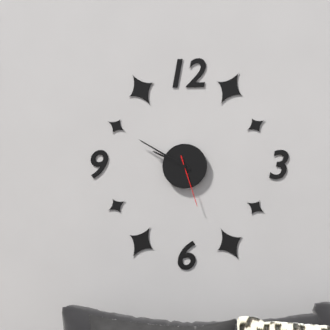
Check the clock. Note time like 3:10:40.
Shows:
9:50:27
